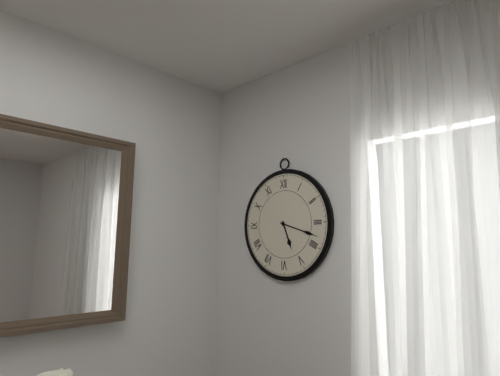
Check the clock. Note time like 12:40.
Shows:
5:18
